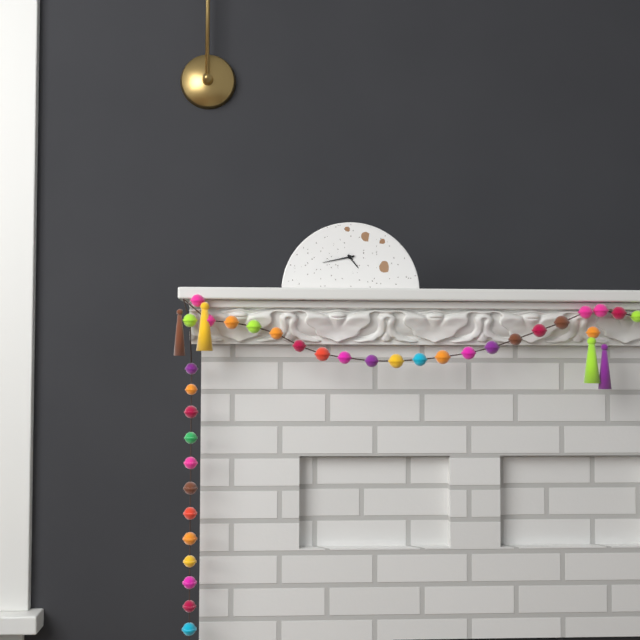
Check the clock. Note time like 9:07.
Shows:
4:43
